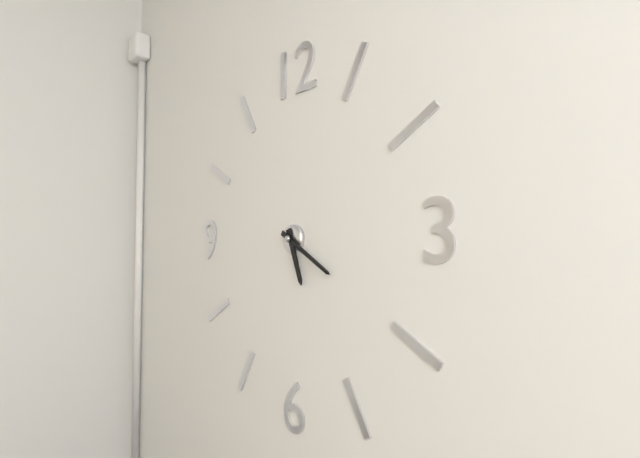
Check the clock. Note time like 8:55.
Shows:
5:20
